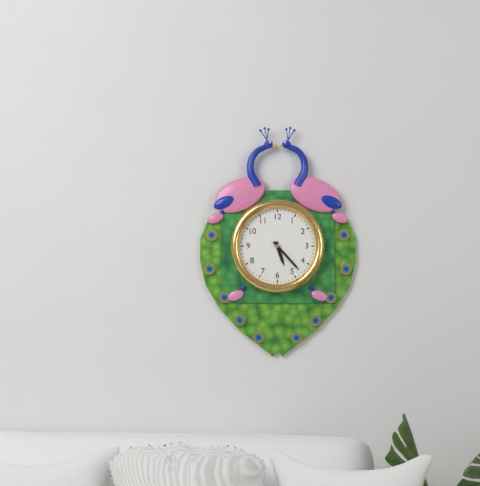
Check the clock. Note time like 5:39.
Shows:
5:23
